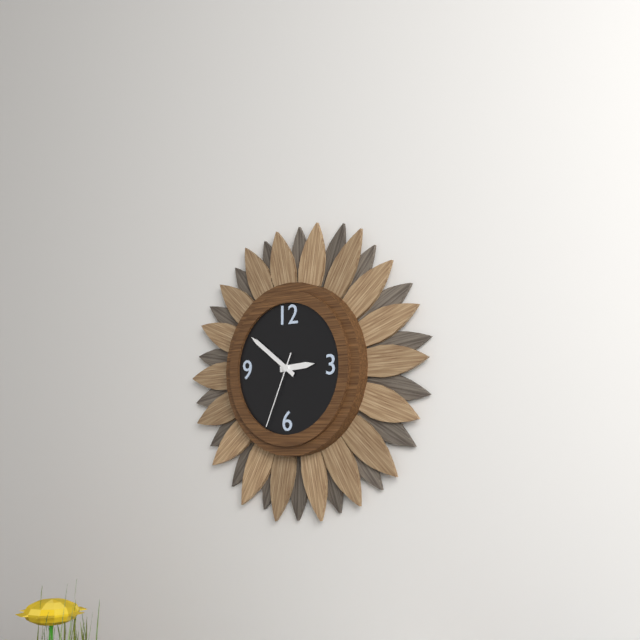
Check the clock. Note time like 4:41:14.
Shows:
2:51:34
